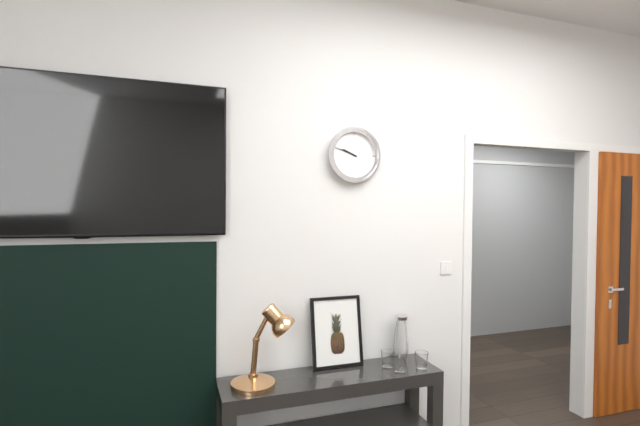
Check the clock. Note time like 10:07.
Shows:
9:48
